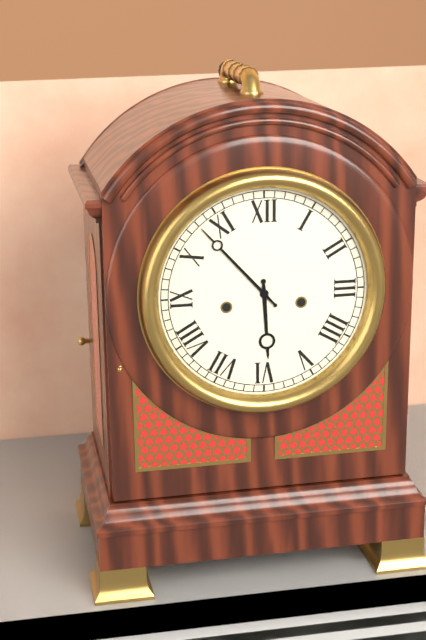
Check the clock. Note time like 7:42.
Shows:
5:53
